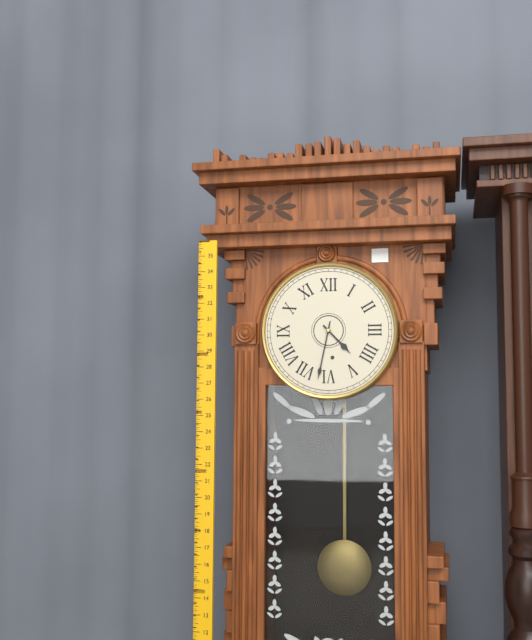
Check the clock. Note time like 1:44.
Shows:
4:32
